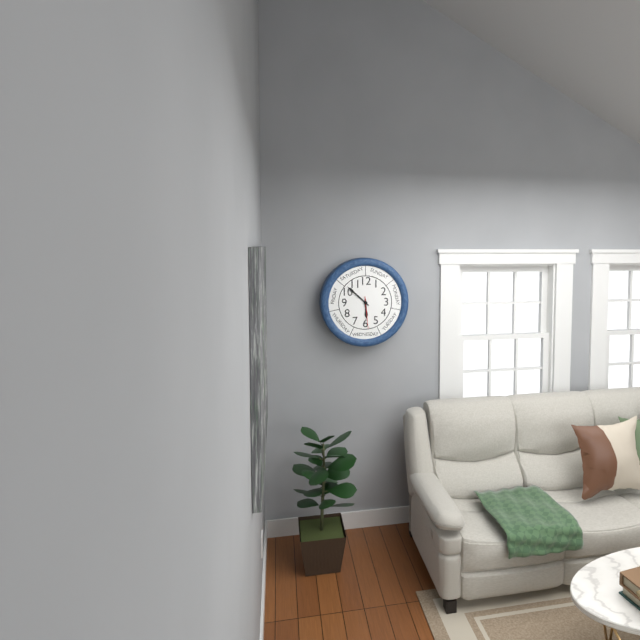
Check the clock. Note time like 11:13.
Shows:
5:52
